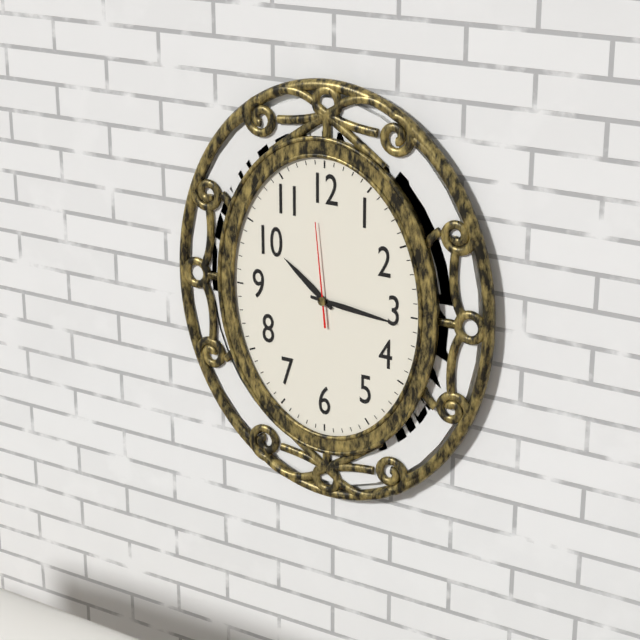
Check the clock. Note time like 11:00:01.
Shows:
10:16:59
